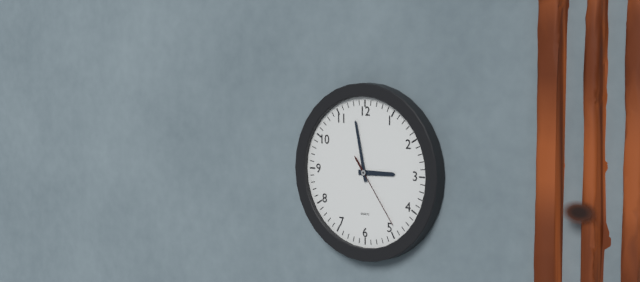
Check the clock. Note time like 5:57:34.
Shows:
2:58:24
